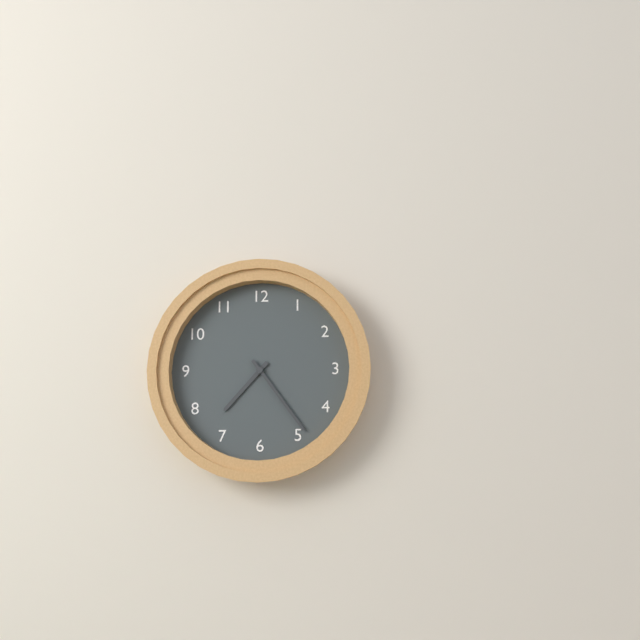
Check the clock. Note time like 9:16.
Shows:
7:24
